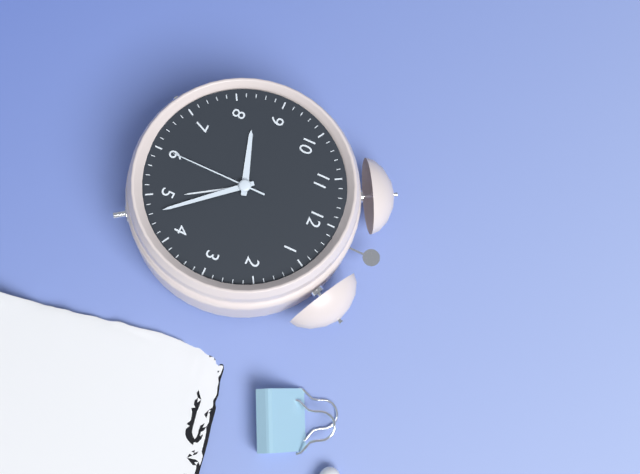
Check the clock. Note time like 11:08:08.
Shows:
8:23:30
